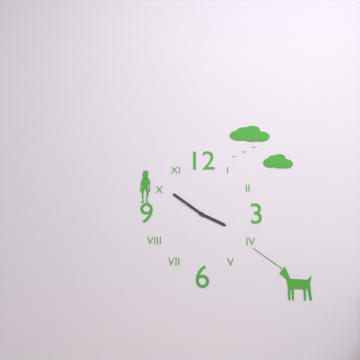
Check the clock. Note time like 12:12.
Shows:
3:51
